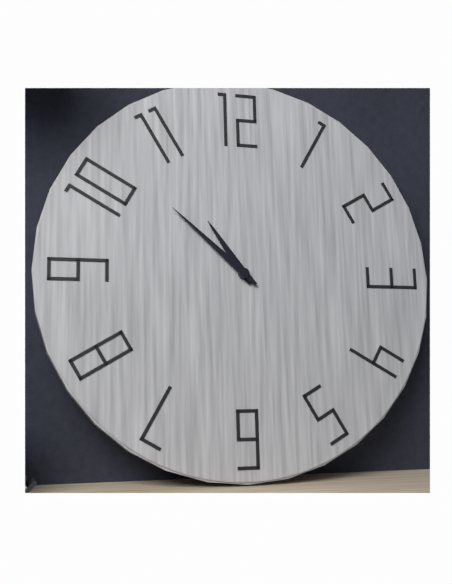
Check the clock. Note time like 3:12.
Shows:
10:52
